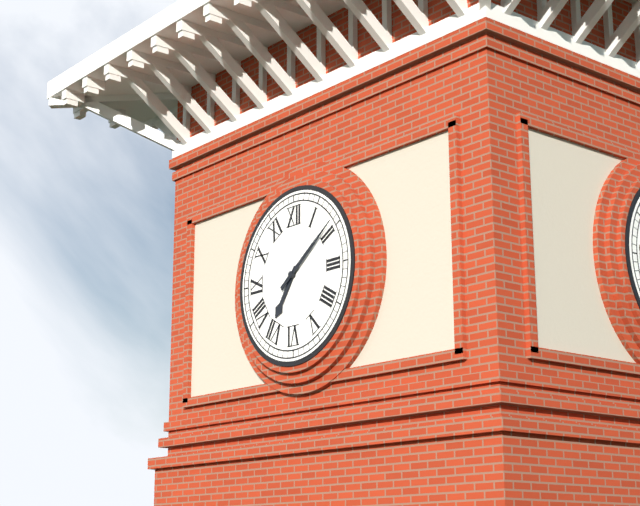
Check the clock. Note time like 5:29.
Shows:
7:09
